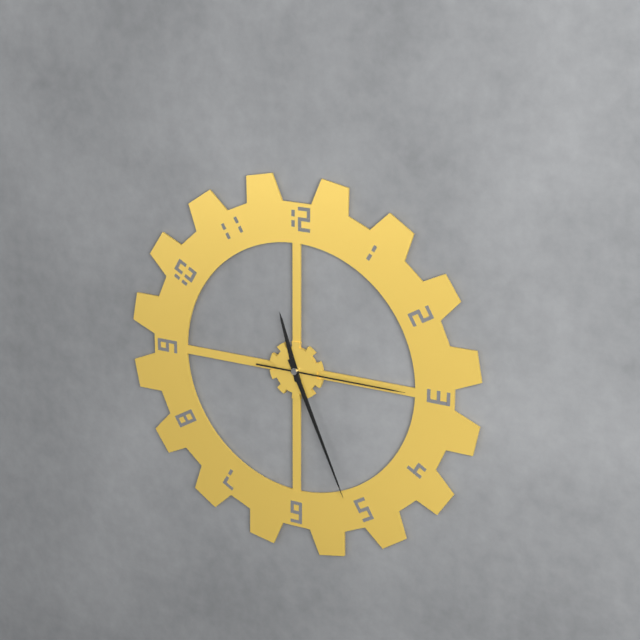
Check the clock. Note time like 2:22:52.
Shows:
11:26:15
